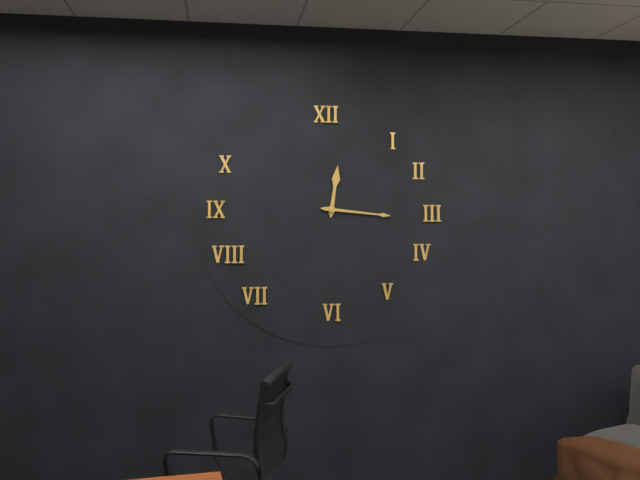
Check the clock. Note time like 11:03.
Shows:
12:16
